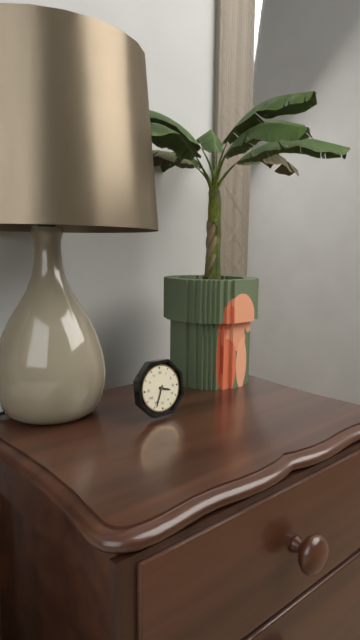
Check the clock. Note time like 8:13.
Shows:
3:34
